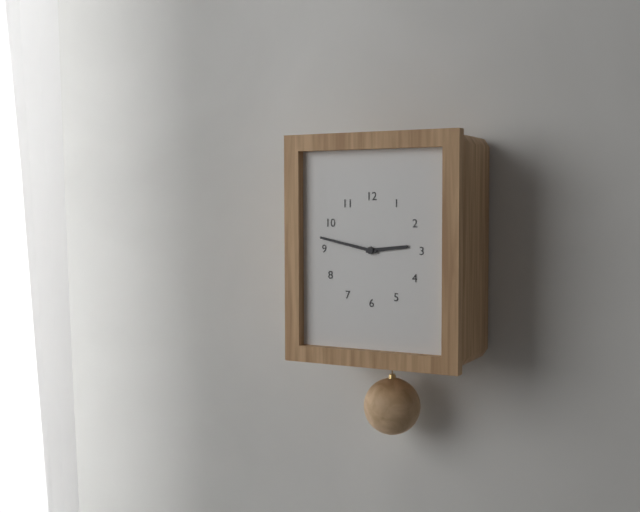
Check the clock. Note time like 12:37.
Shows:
2:47
